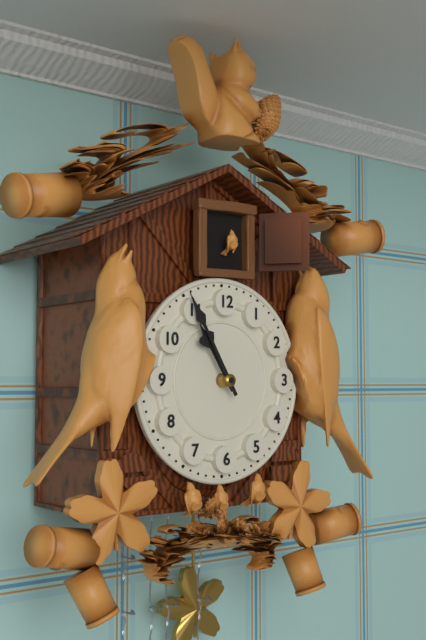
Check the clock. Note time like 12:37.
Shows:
10:55
